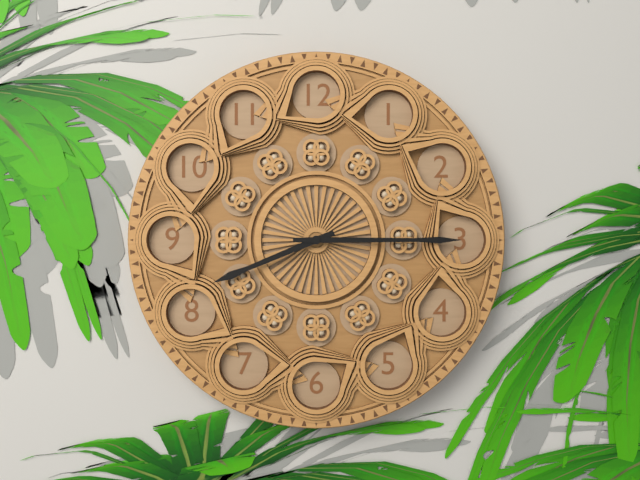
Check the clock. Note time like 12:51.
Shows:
8:15
